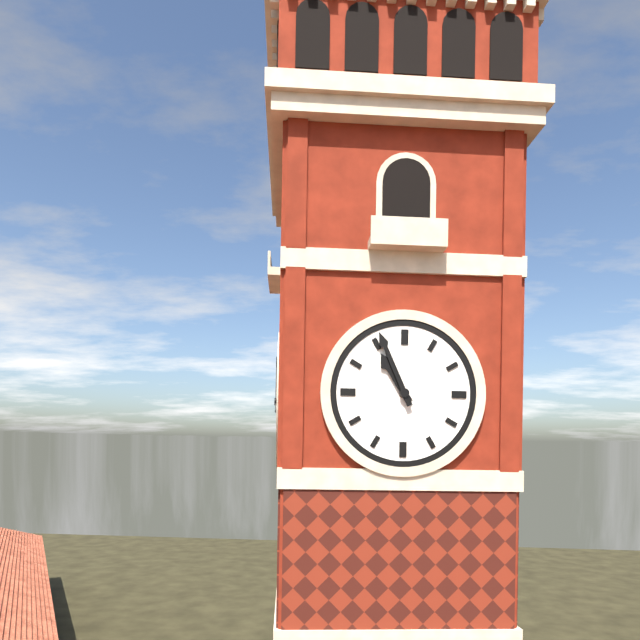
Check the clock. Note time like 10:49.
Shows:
10:56
